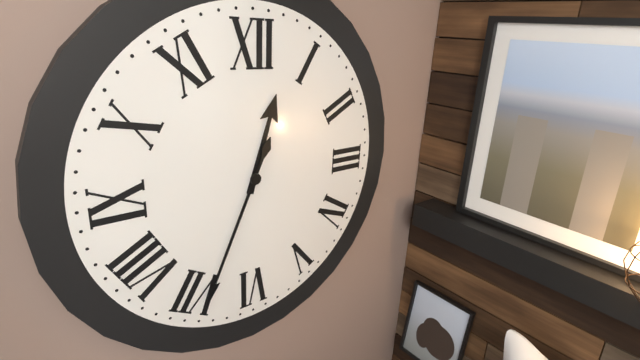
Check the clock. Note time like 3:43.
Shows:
12:34
